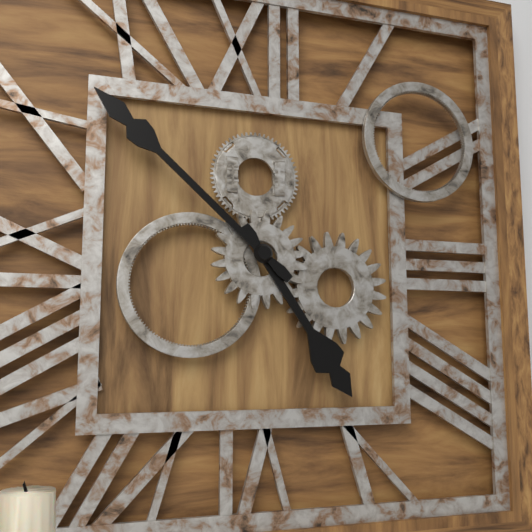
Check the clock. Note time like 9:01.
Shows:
4:52
